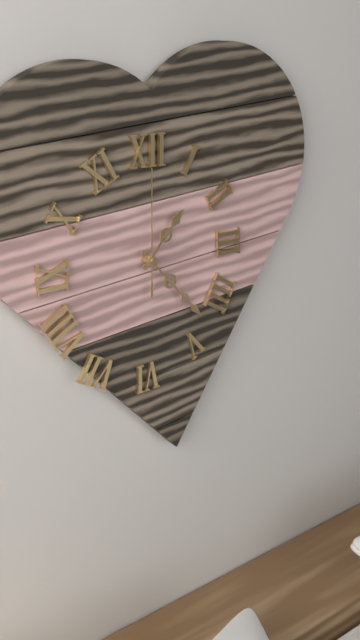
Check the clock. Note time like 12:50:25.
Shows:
1:23:00
